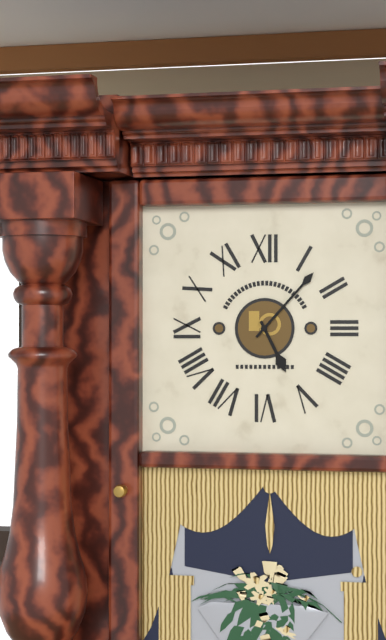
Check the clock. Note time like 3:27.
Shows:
5:07
